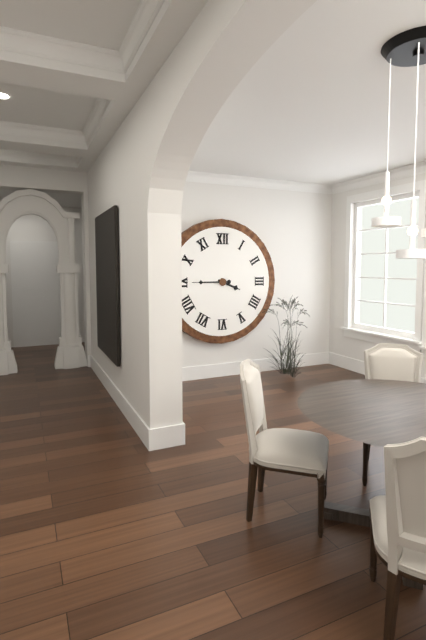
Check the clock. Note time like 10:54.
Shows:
3:45
